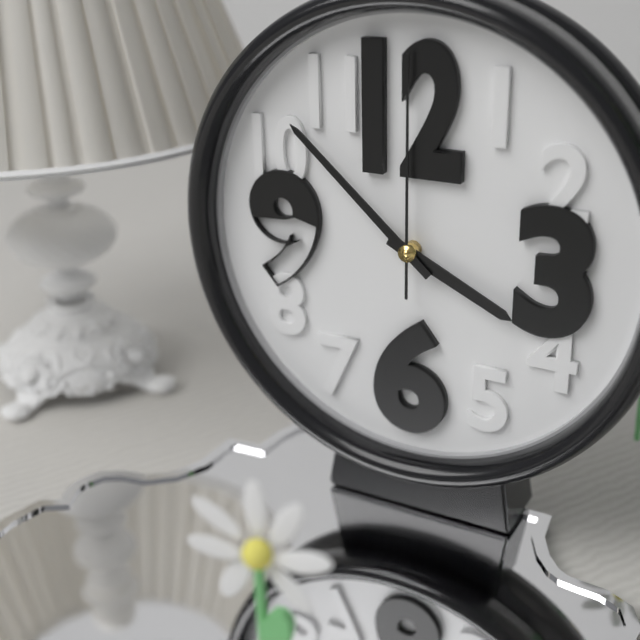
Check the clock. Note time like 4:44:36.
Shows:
3:52:00
